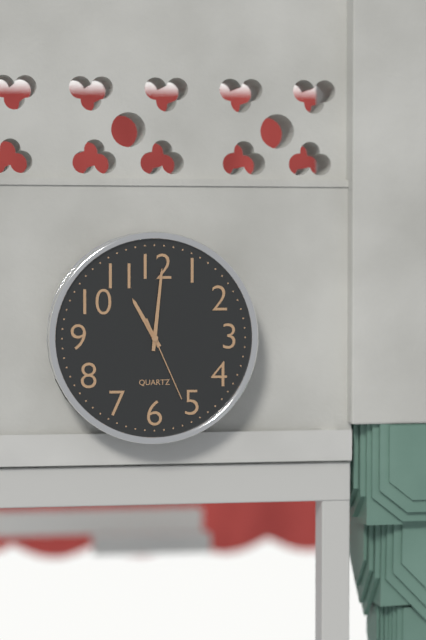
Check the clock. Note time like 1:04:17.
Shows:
11:01:26
